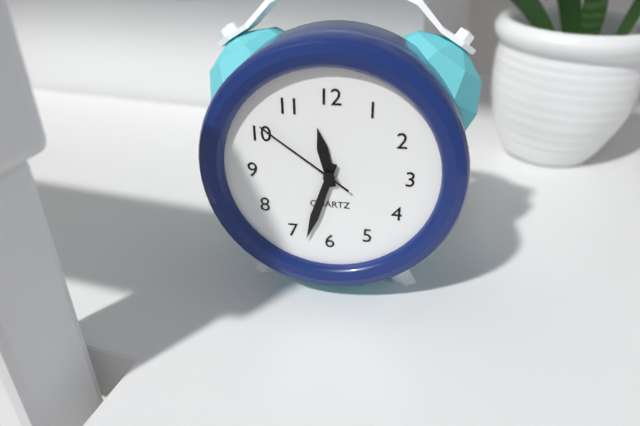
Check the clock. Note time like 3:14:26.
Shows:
11:33:51
